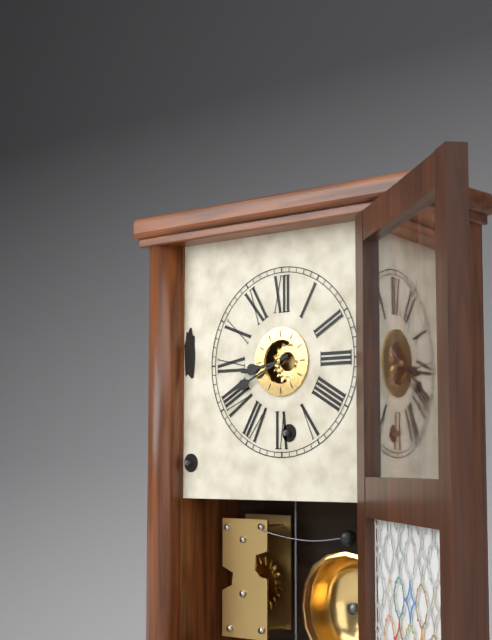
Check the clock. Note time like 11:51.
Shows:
8:41
